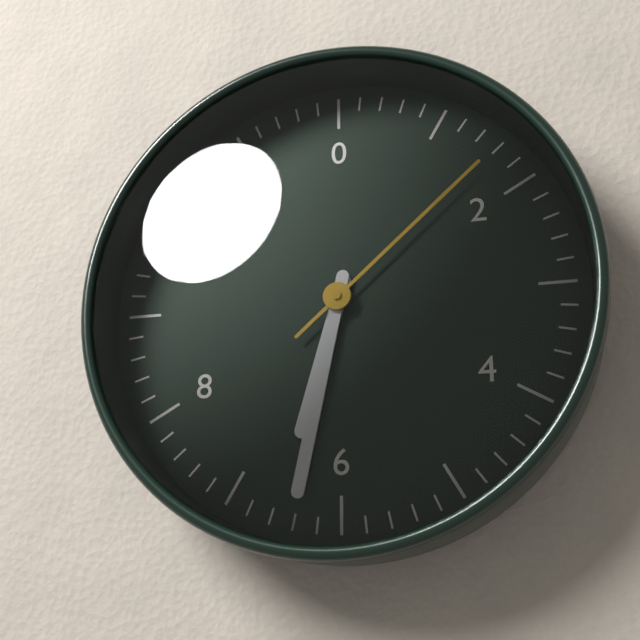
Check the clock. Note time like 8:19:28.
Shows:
6:32:08
